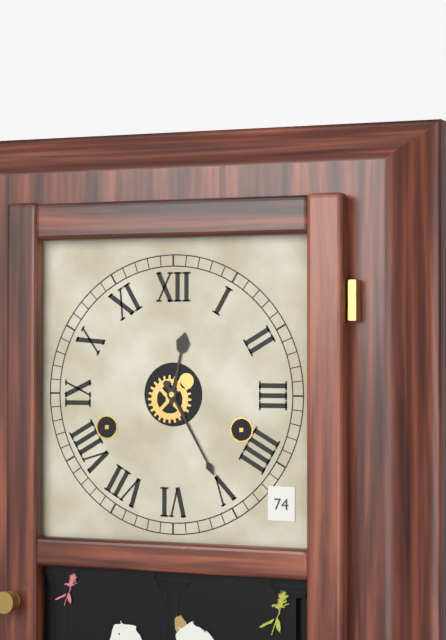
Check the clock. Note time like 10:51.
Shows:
12:25
